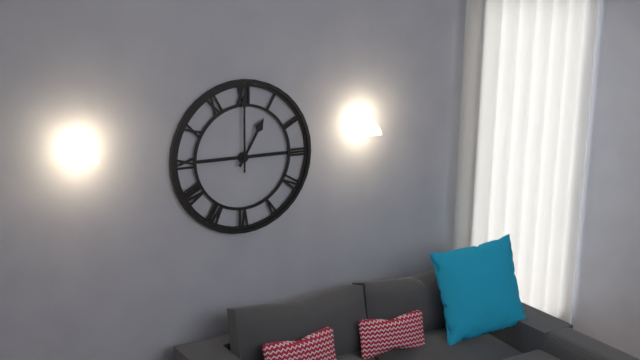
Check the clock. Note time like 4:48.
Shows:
1:00
